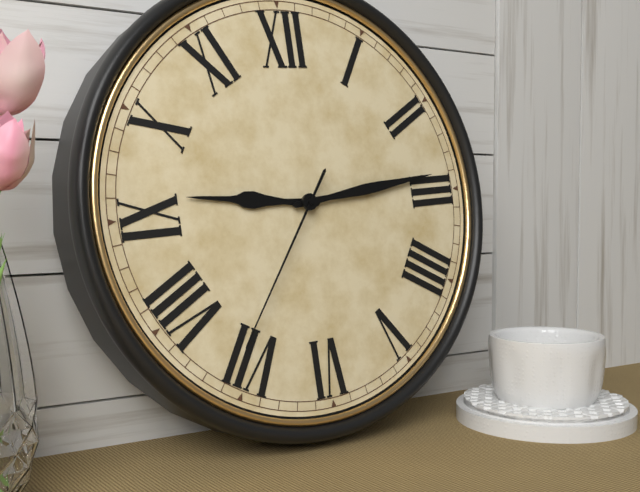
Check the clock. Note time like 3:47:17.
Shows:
9:14:36
